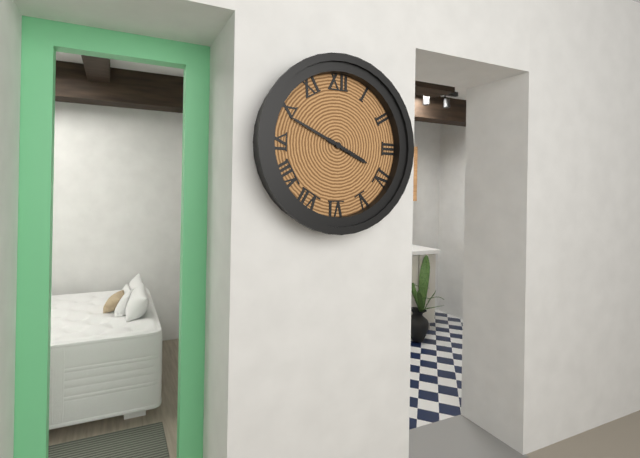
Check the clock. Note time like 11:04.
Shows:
3:49
